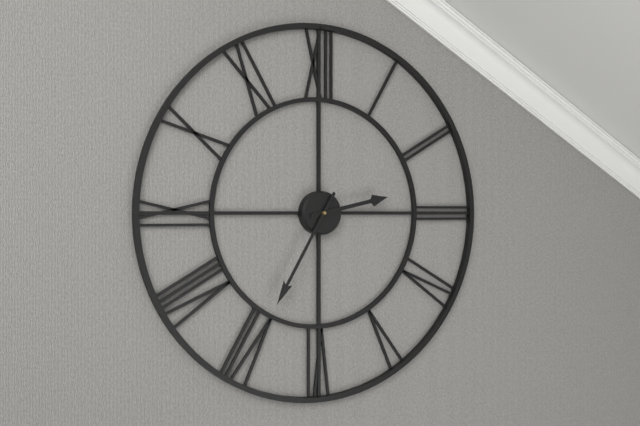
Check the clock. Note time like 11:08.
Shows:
2:35
